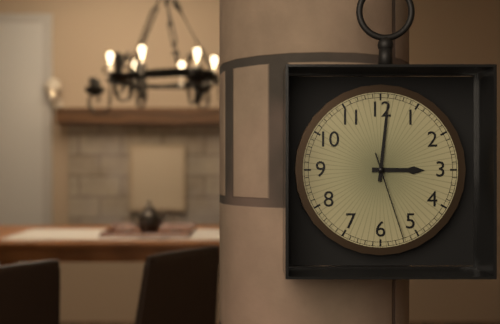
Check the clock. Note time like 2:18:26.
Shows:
3:01:27
